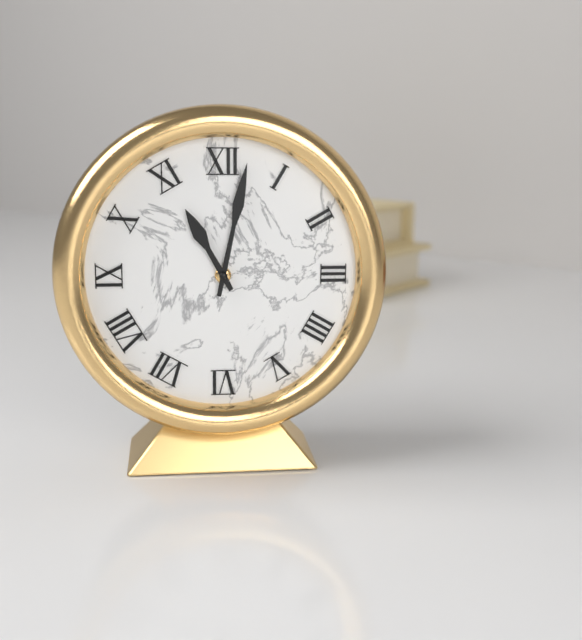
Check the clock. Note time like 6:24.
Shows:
11:02
